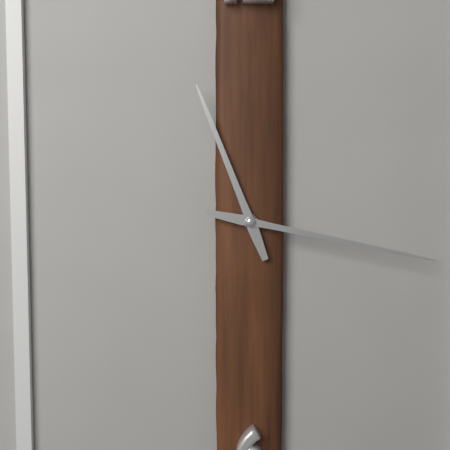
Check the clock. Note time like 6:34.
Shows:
11:17
